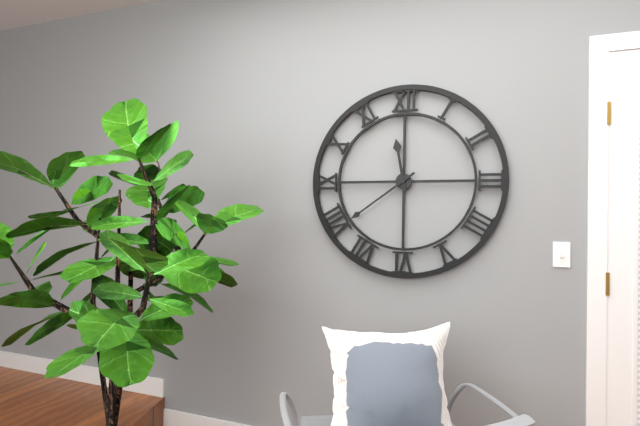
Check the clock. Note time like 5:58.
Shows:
11:39
